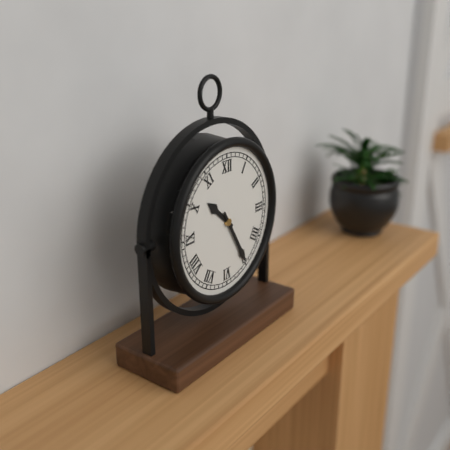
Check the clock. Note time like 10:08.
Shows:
10:25
